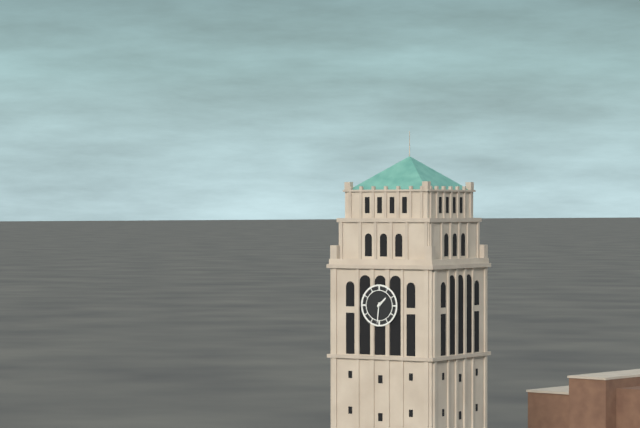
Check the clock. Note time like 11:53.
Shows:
1:31
